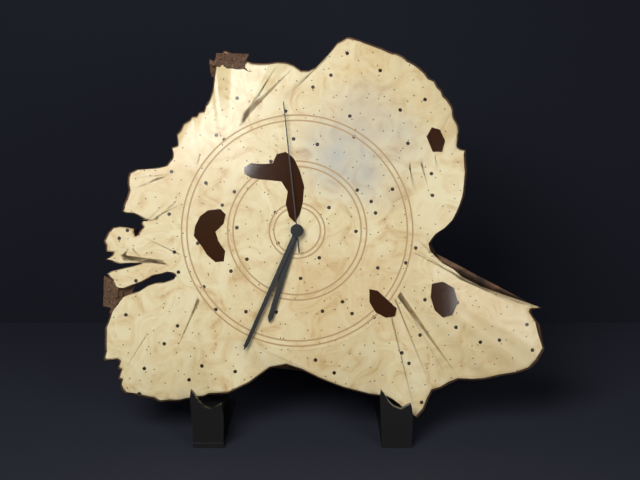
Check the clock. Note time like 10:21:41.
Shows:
6:34:59
